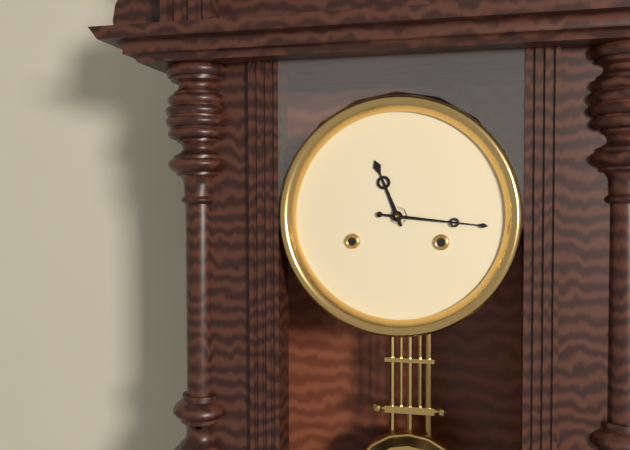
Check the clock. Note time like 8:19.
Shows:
11:16
